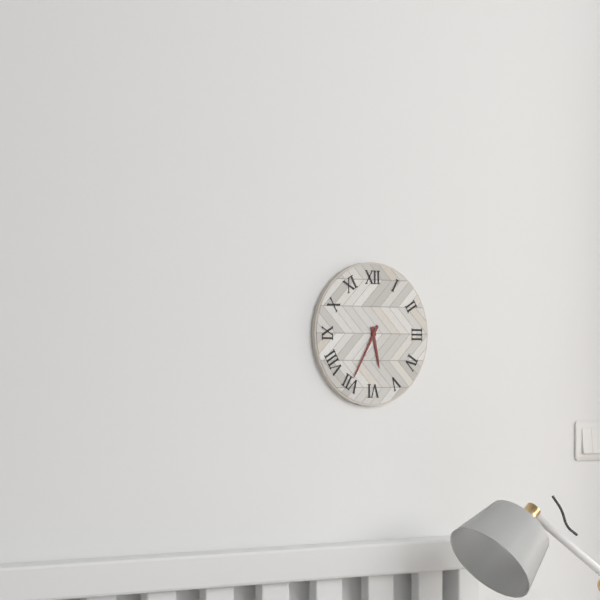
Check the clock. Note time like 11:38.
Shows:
5:35
